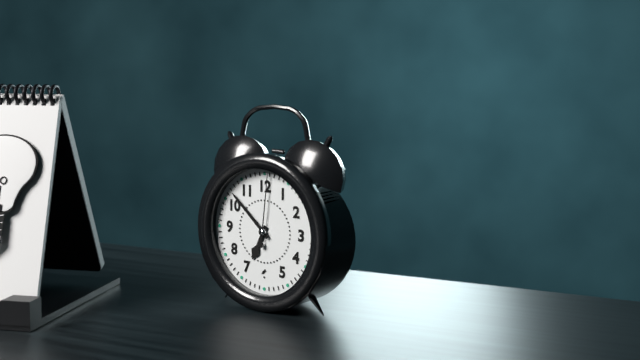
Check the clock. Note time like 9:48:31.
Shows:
6:52:01
